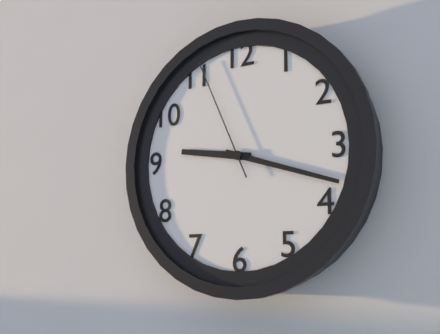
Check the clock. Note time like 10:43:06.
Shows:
9:18:56
